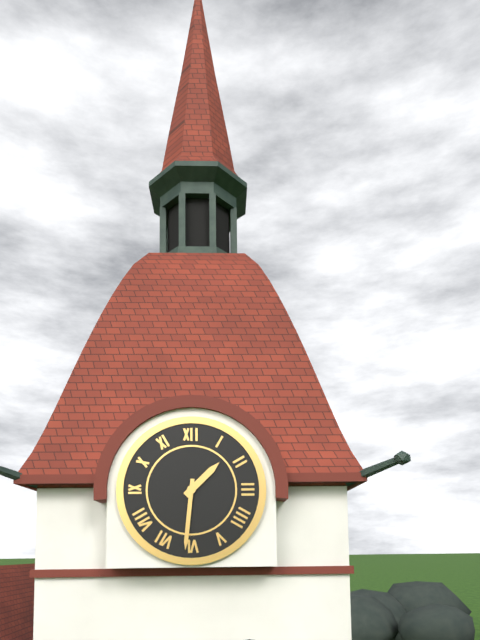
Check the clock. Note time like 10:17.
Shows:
1:31
